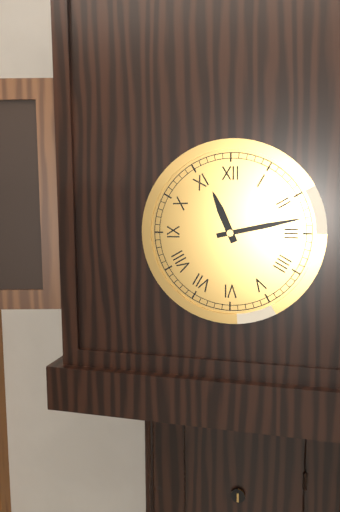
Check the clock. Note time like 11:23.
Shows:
11:13
